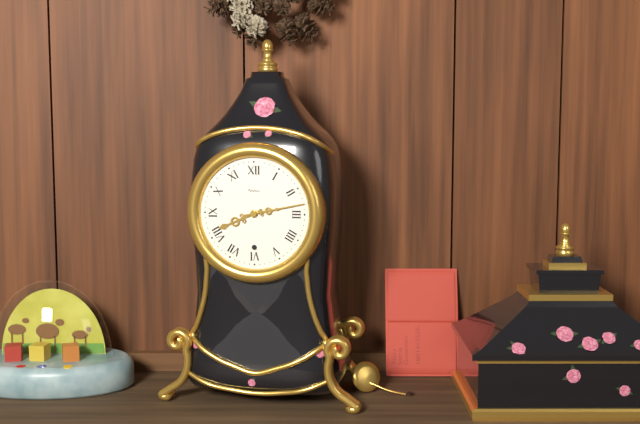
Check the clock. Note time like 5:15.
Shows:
8:13
